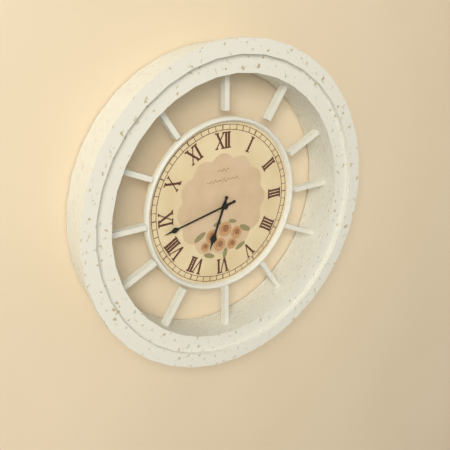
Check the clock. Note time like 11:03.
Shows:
6:43
